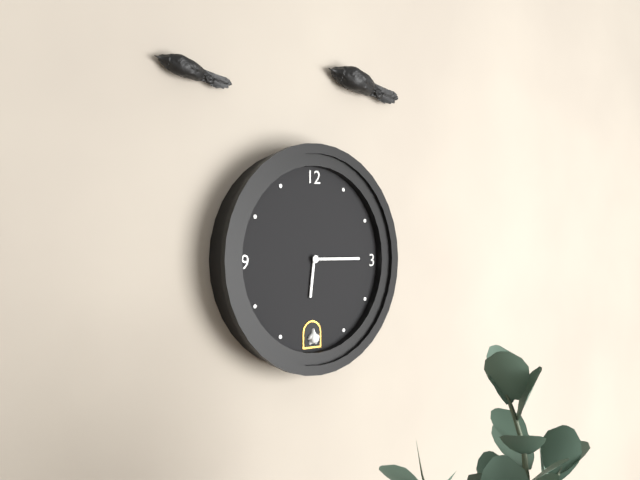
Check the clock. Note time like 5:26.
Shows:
6:15
